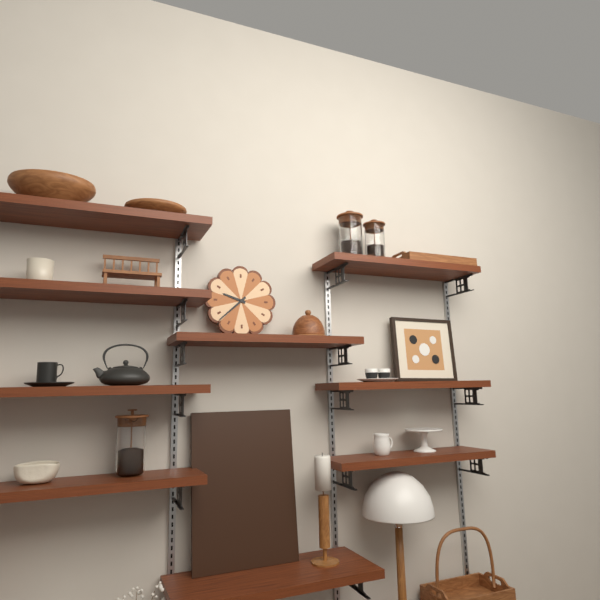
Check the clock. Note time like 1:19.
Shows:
9:38
